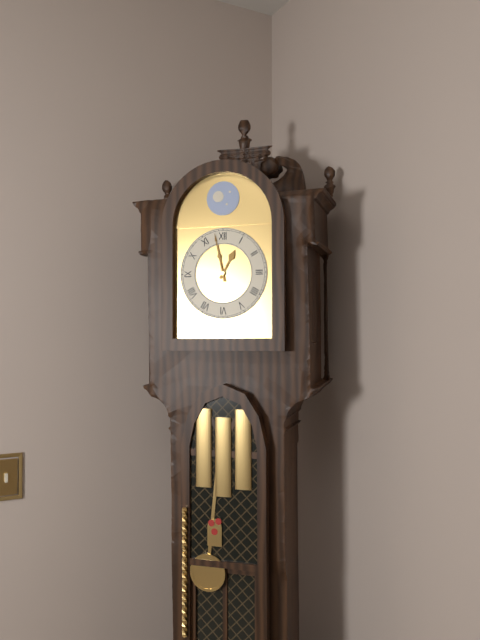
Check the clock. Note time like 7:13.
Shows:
12:58
